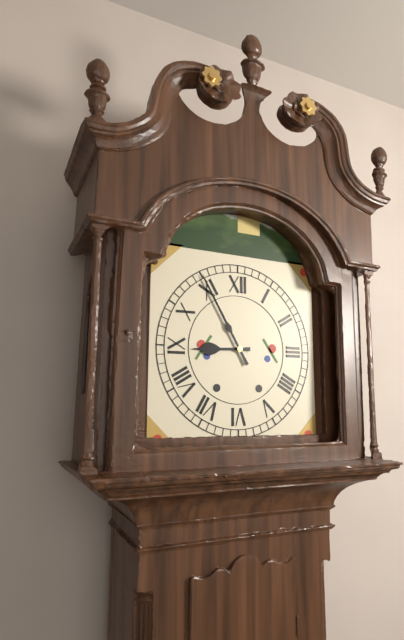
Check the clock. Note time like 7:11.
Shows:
8:55
